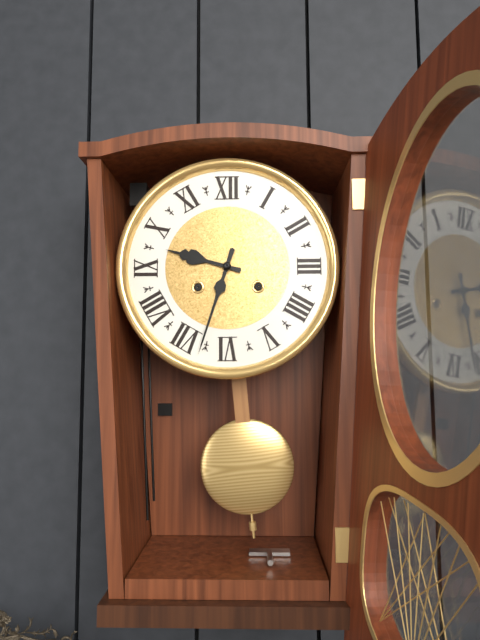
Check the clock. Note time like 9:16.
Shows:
9:33
